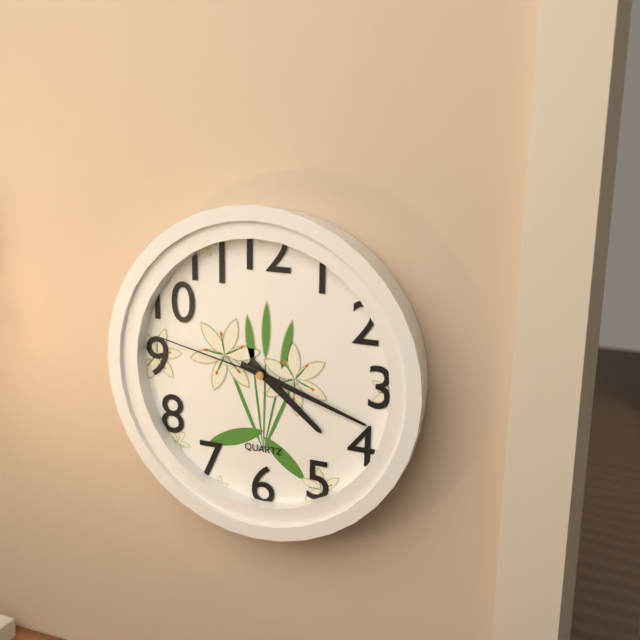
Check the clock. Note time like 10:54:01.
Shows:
4:18:47
